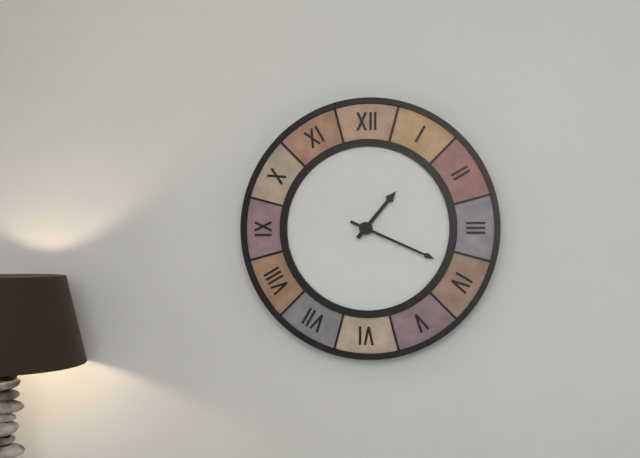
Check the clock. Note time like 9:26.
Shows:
1:19
